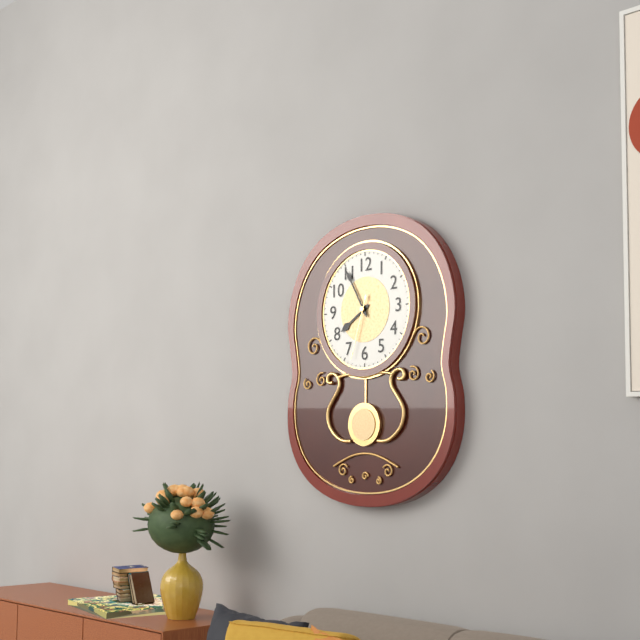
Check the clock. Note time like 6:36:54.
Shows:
7:55:33
